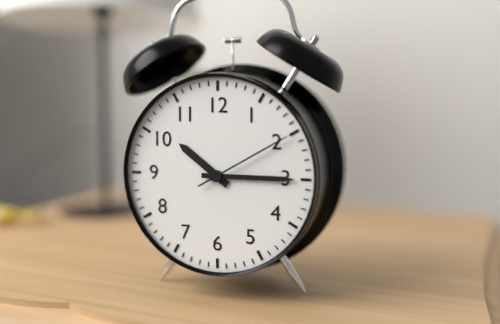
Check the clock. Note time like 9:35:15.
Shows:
10:15:10
